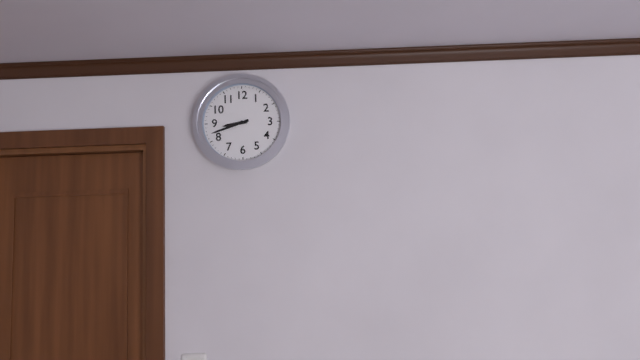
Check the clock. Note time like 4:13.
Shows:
8:42
